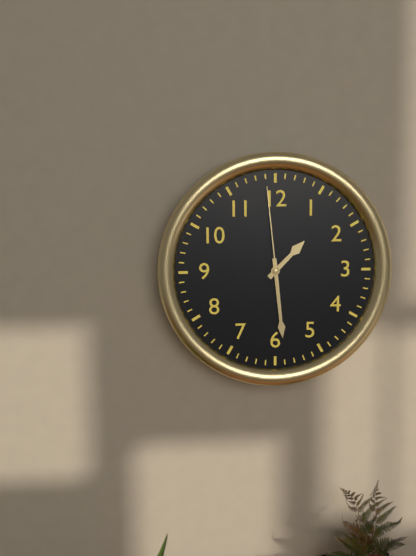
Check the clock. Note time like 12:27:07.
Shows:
1:29:59
